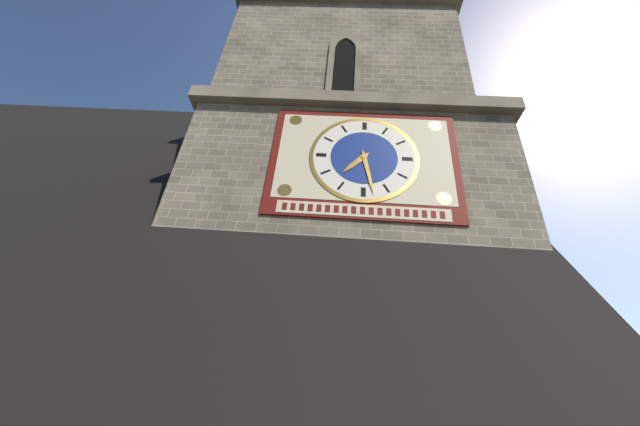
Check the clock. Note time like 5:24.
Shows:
7:28
